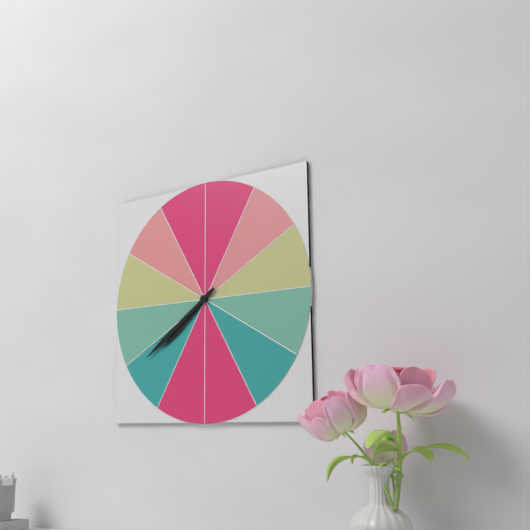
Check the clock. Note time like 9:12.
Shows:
7:39
